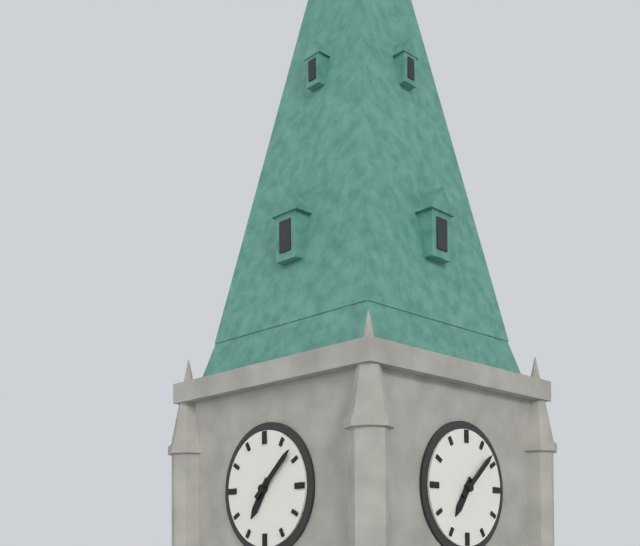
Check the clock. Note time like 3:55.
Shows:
7:08
